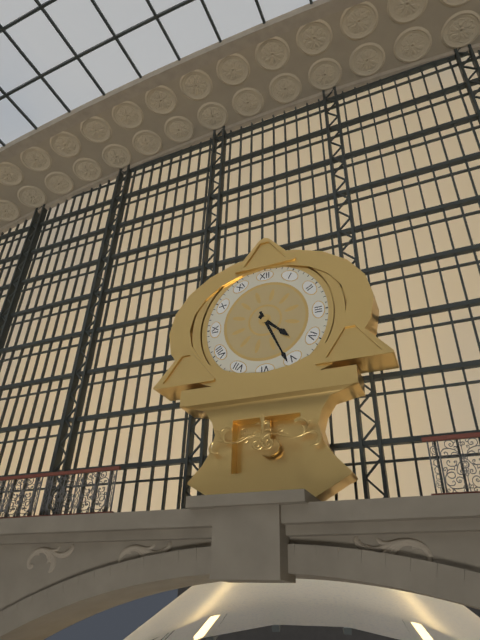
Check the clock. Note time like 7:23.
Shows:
4:26
